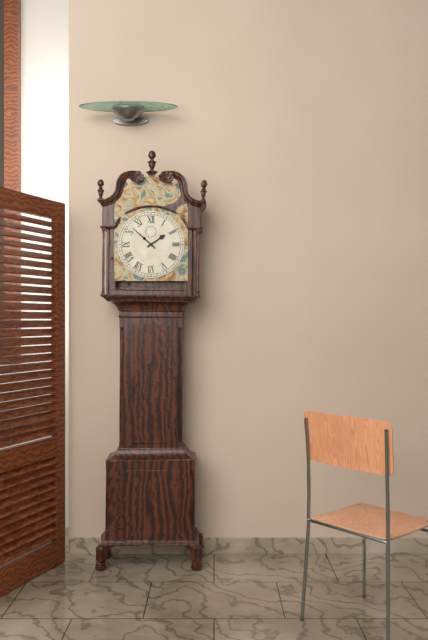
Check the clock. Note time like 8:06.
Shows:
1:52
